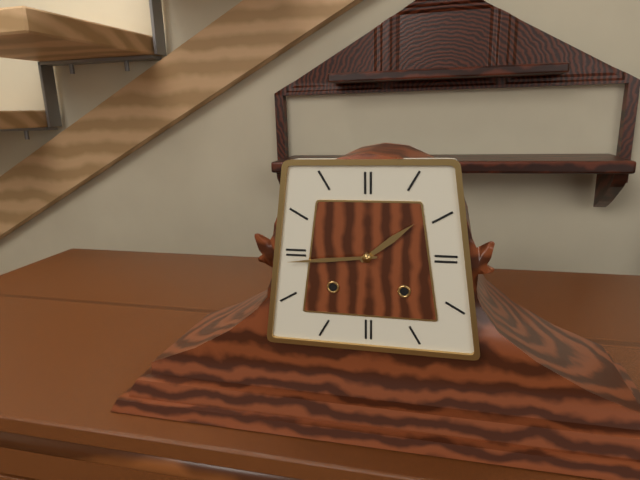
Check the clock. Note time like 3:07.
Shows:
1:44
